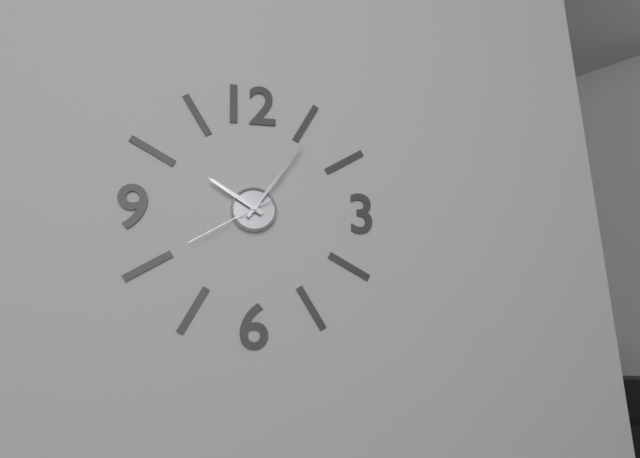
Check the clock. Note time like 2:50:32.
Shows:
10:06:40
